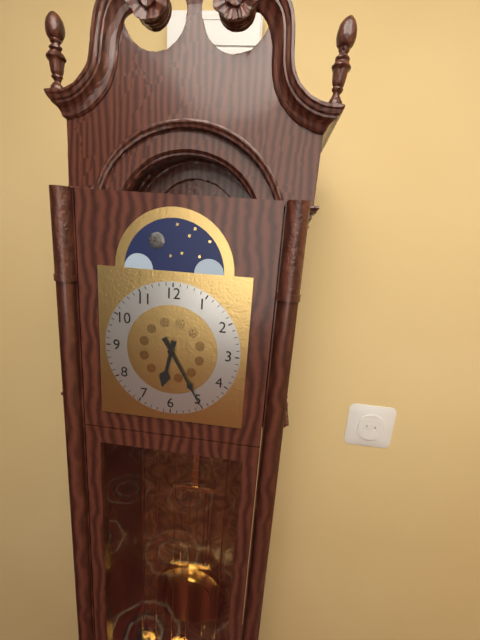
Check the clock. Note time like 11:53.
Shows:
6:25
